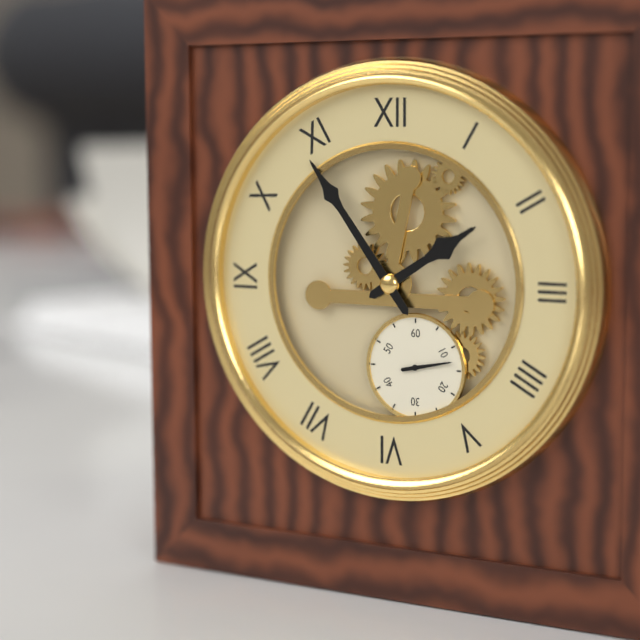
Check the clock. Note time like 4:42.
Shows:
1:54
